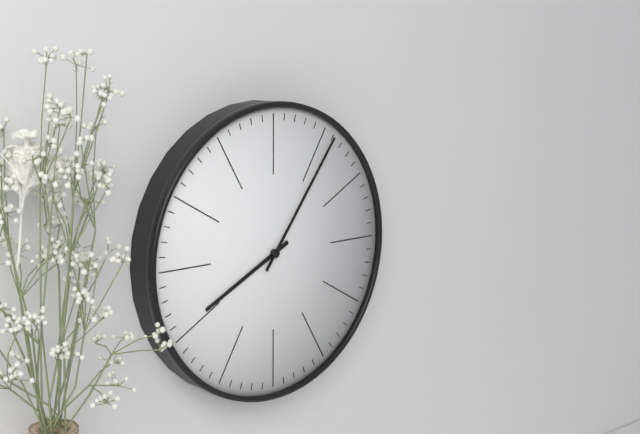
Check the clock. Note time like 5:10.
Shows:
8:06
